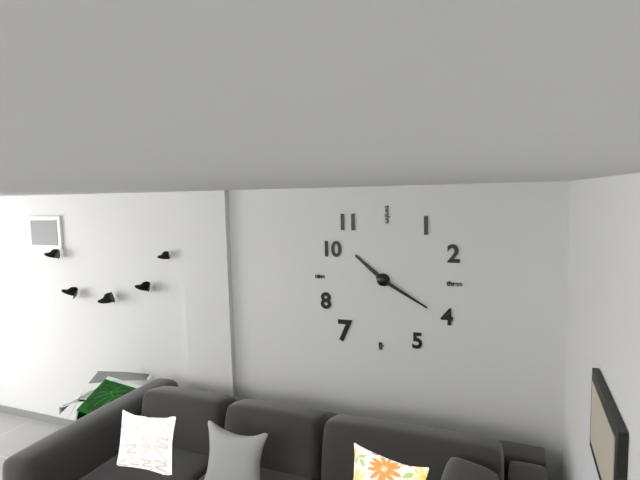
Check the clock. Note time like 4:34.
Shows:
10:20
